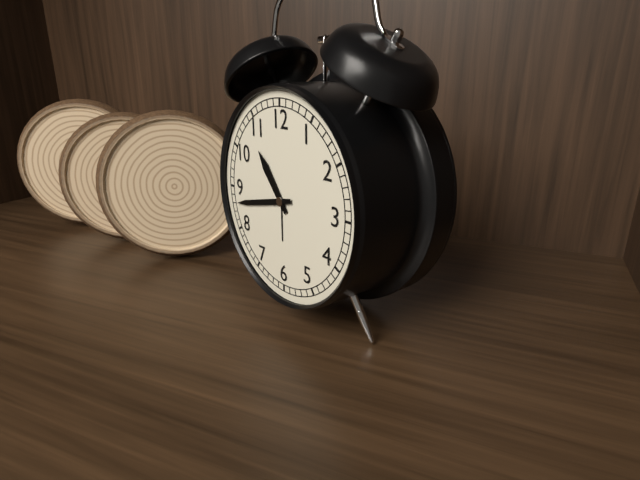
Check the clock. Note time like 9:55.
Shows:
10:43
